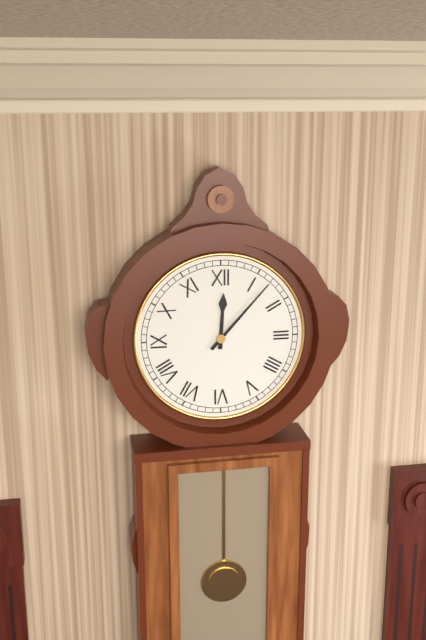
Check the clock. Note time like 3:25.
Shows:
12:07
